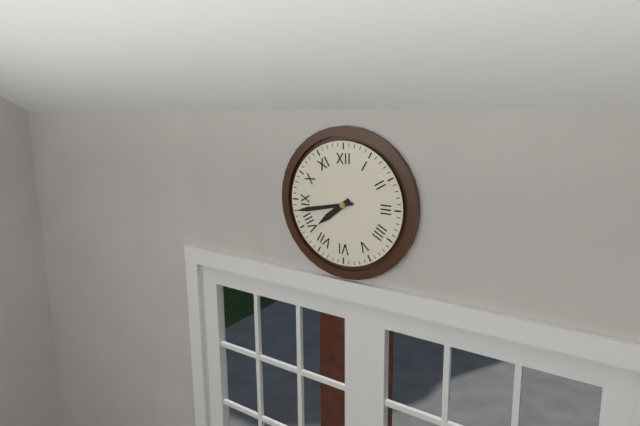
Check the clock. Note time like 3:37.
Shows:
7:43
